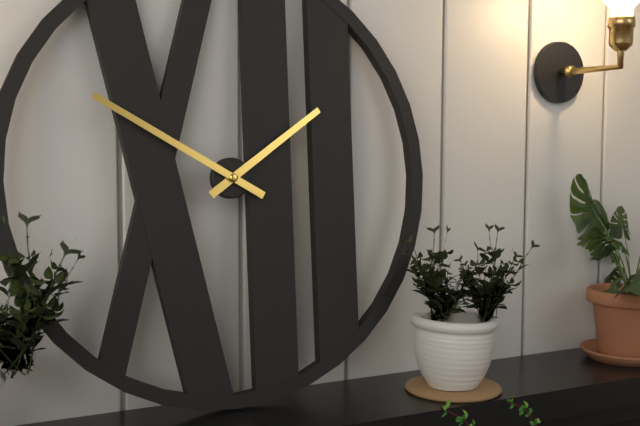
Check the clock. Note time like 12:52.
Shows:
1:50
